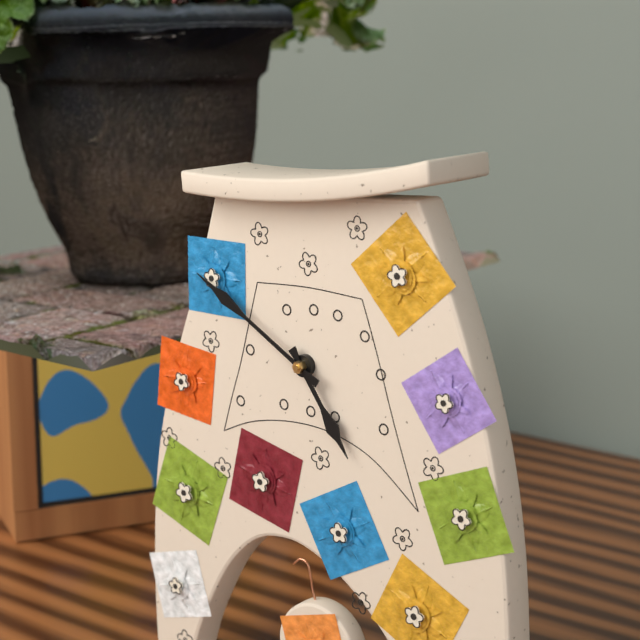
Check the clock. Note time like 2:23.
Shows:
4:50
